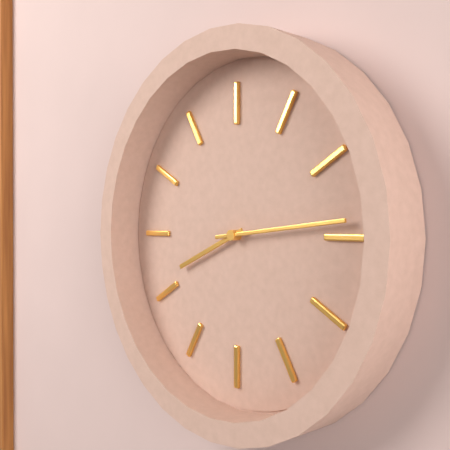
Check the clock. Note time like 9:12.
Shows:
8:14
